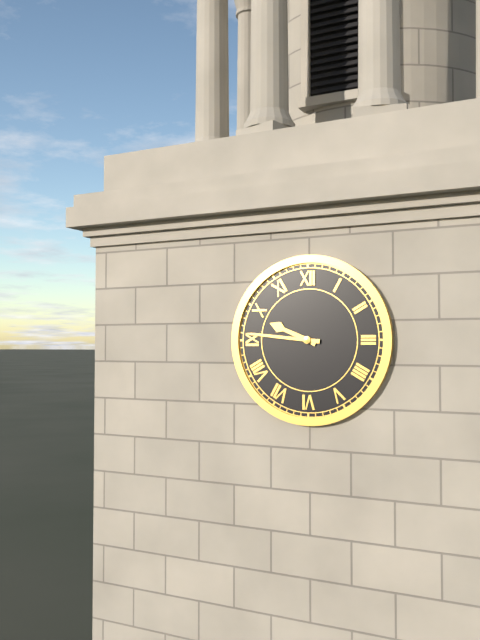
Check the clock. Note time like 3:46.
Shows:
9:46
